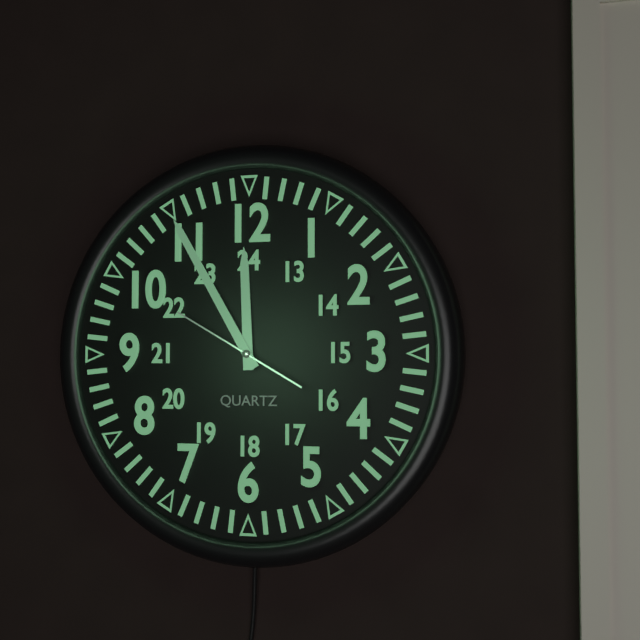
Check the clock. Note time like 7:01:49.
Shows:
11:55:50
